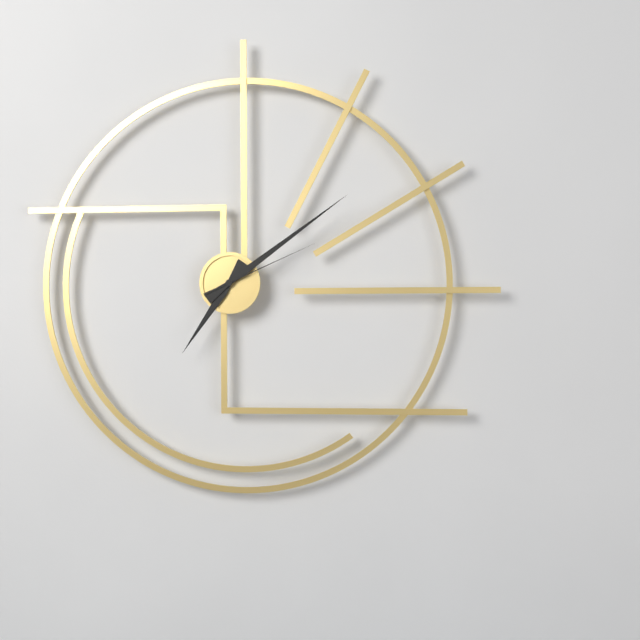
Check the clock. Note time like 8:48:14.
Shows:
7:09:11
